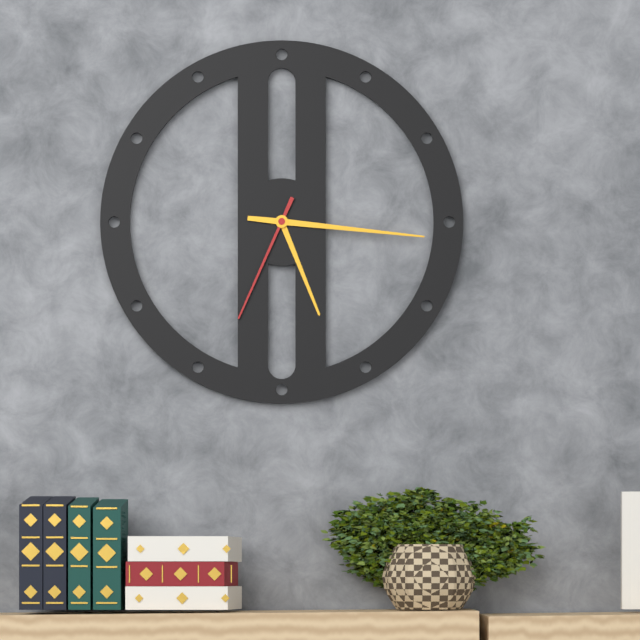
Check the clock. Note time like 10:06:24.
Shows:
5:16:34
